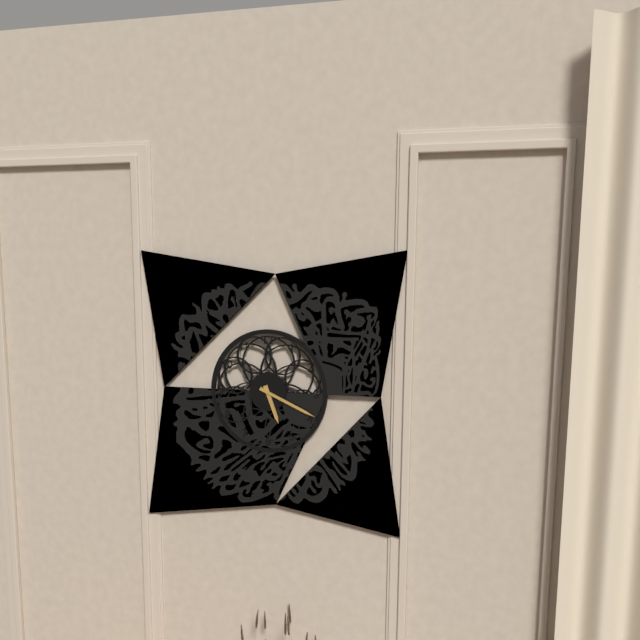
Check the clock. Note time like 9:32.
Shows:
5:19
